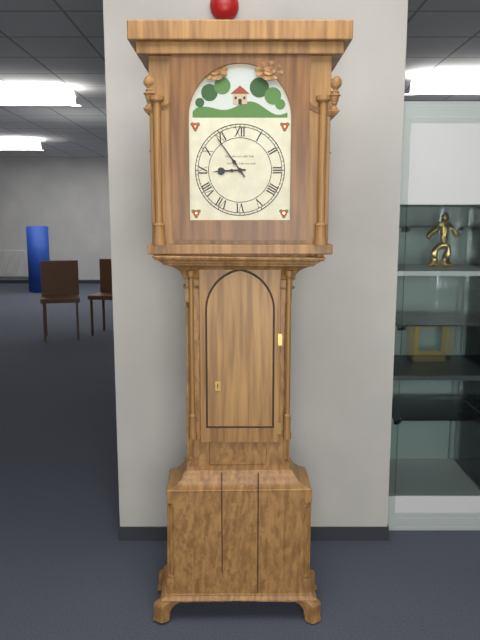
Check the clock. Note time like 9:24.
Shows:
8:54
